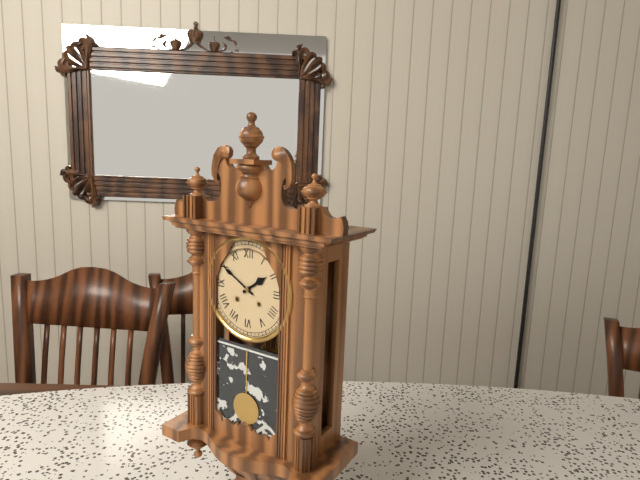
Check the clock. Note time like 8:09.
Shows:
1:50
